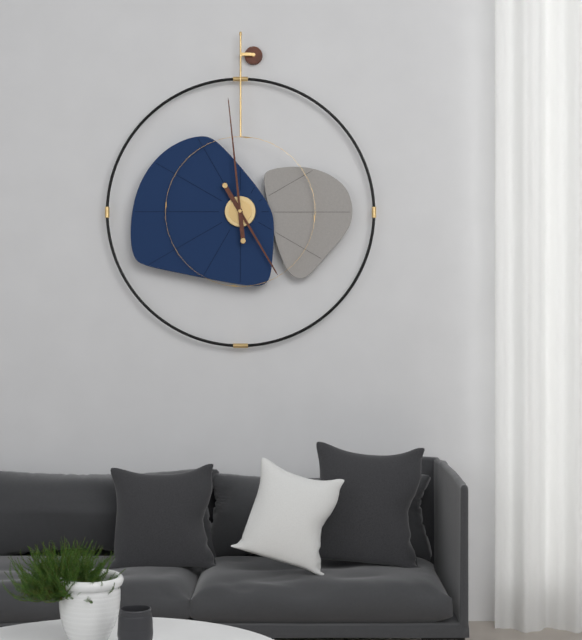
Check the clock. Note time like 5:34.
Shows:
4:59
